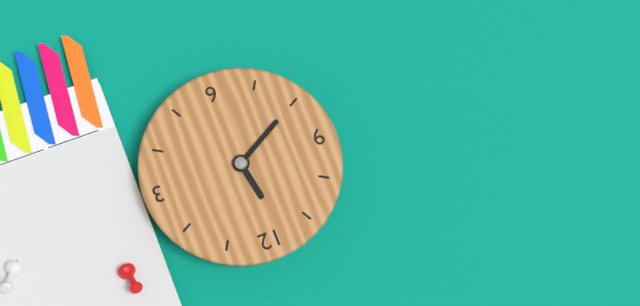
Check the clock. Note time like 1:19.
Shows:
11:40
